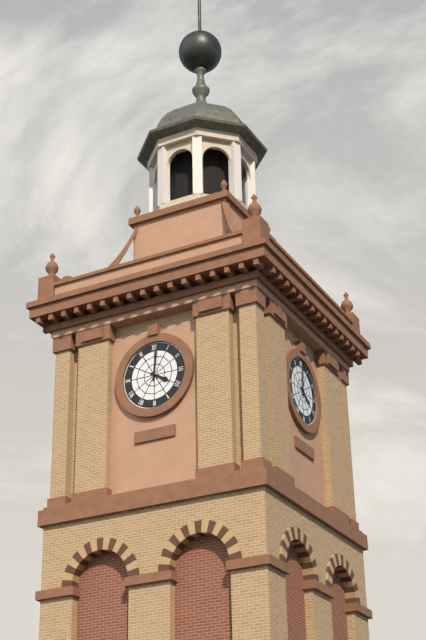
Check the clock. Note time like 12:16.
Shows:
4:01
